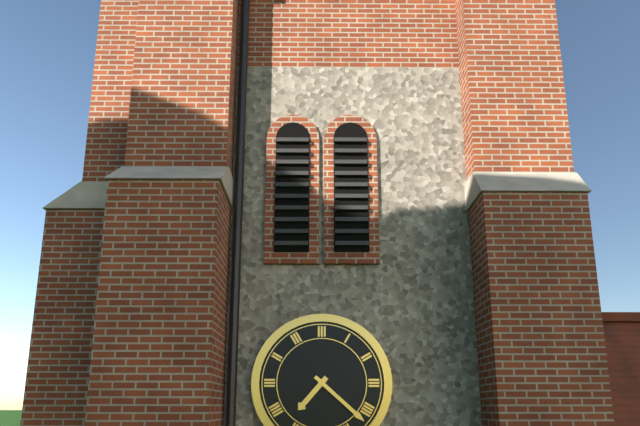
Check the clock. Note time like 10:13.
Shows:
7:22
